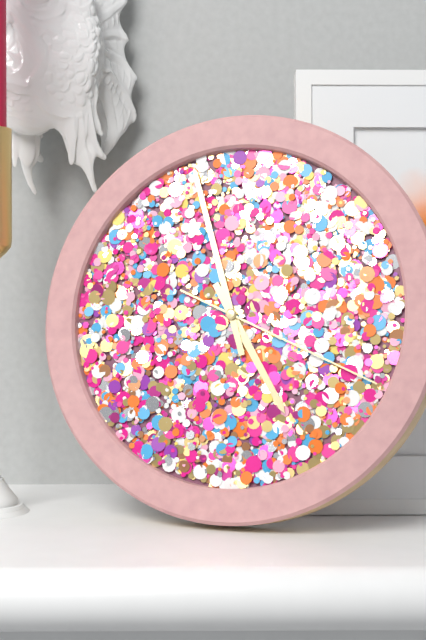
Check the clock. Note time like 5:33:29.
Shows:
4:57:19
